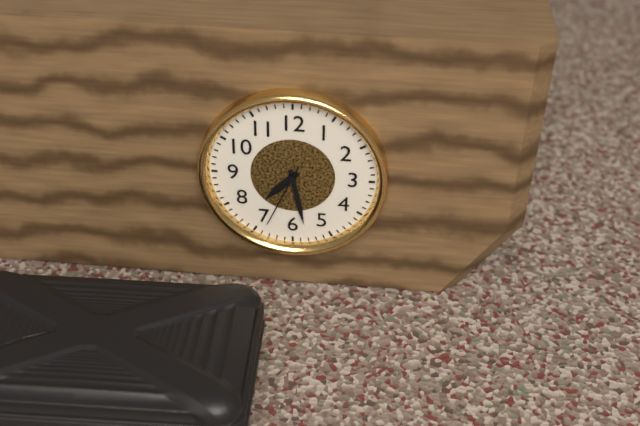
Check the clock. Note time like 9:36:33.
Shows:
7:28:34
